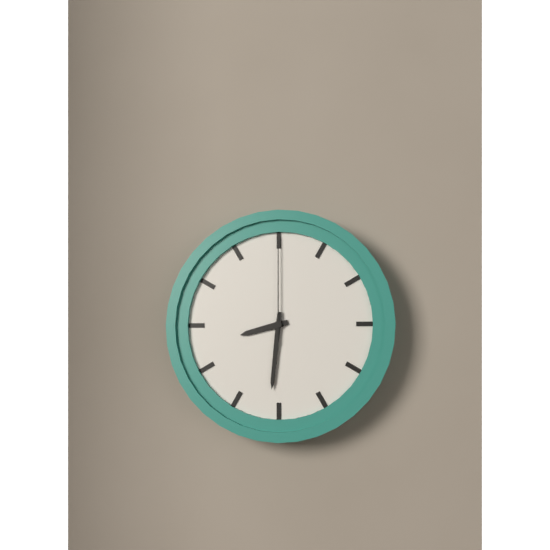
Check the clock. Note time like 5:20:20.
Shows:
8:31:00
